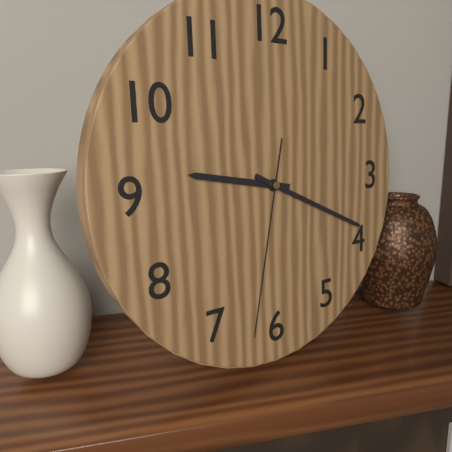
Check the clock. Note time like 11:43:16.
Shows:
9:19:32
